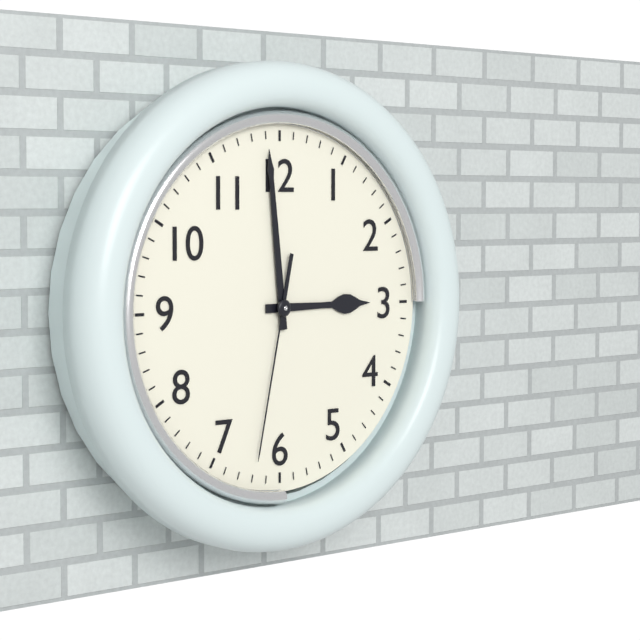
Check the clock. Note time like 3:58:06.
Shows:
2:59:32
